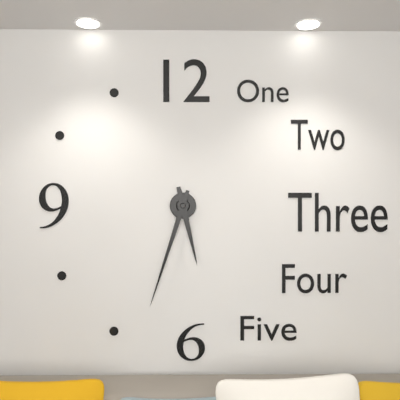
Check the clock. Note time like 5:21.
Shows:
5:33
